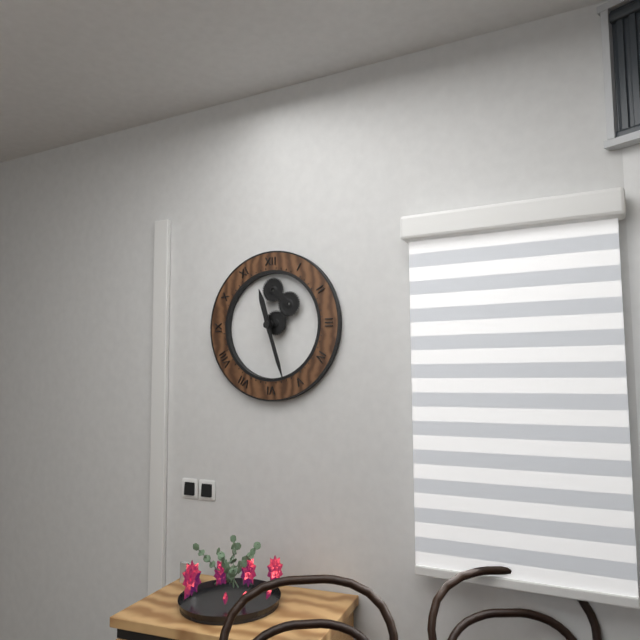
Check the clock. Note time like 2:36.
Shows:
11:27
